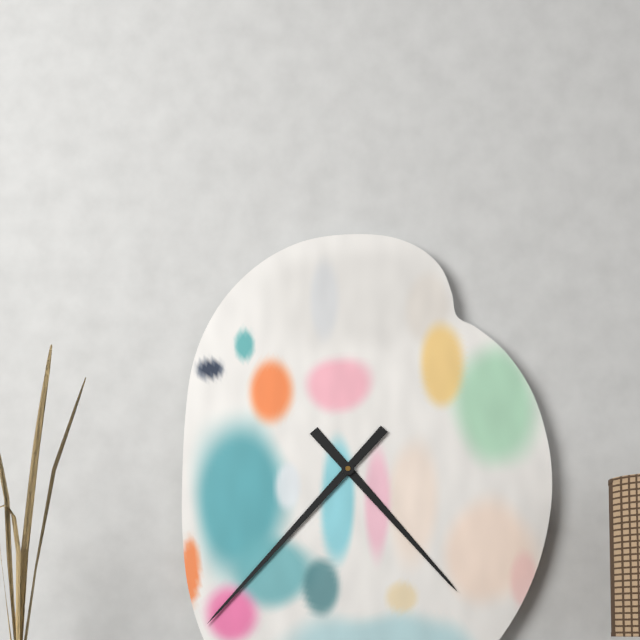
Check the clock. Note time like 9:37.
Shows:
4:37
